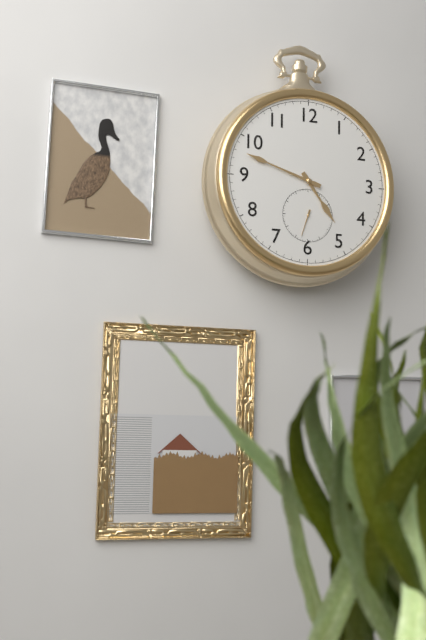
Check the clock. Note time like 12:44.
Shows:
4:48
